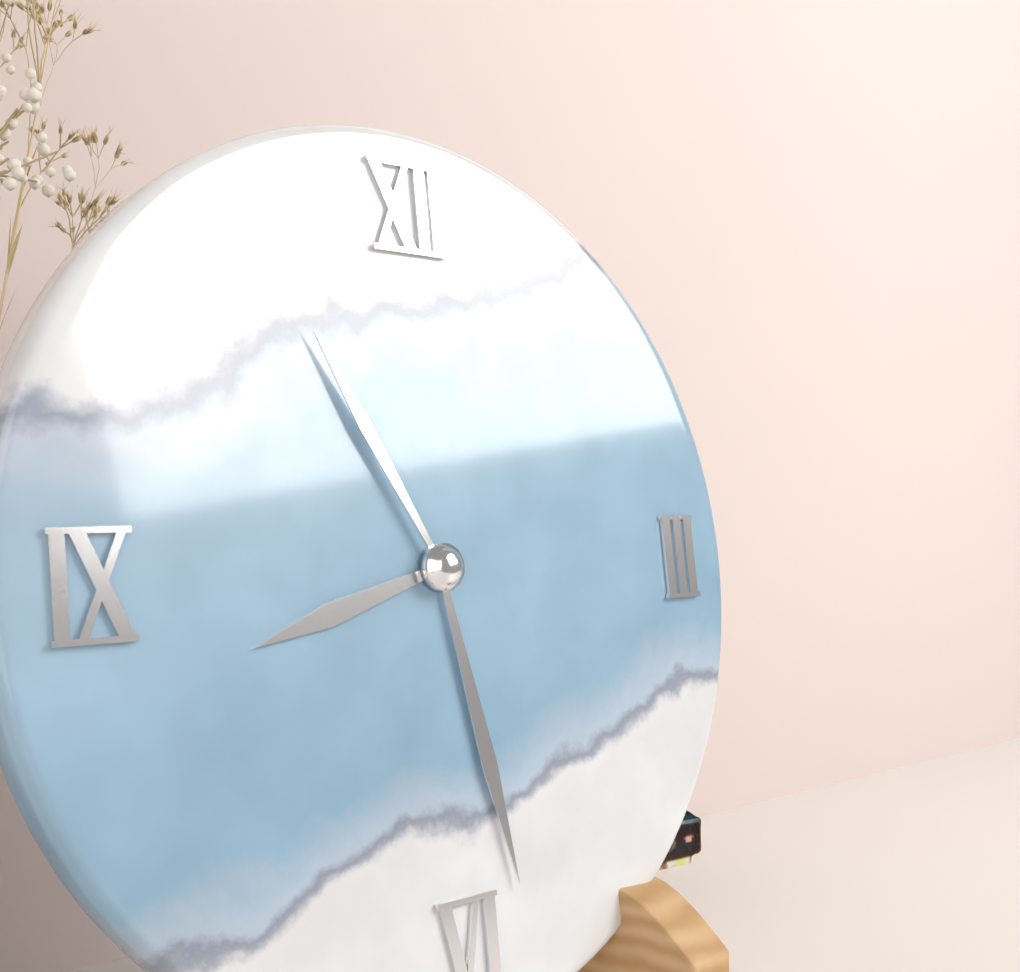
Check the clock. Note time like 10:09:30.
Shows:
8:28:55
